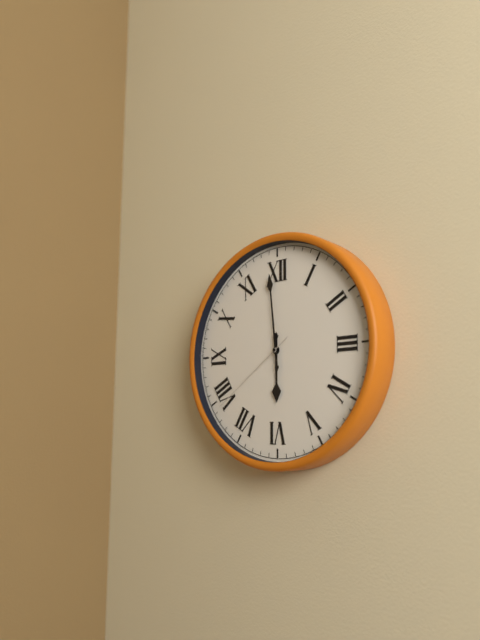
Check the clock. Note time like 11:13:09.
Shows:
5:59:39
